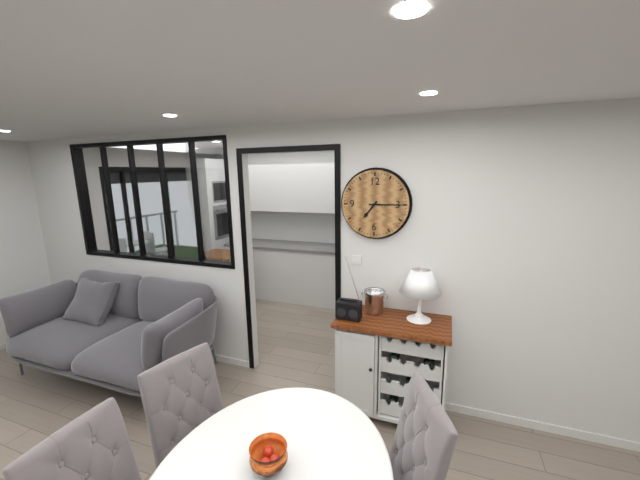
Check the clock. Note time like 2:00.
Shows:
7:15
